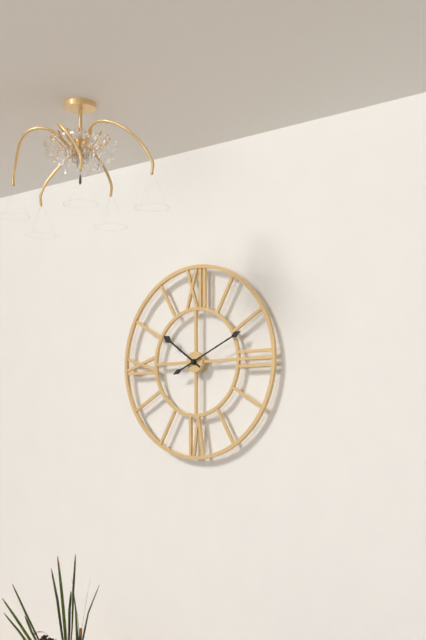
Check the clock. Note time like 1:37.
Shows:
10:11
